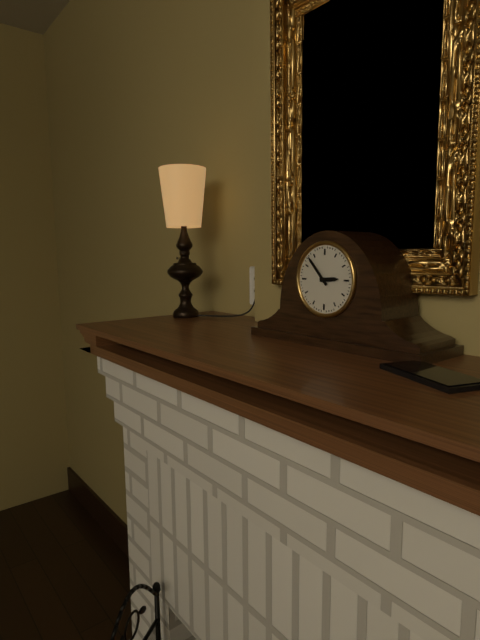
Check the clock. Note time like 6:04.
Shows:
2:53
